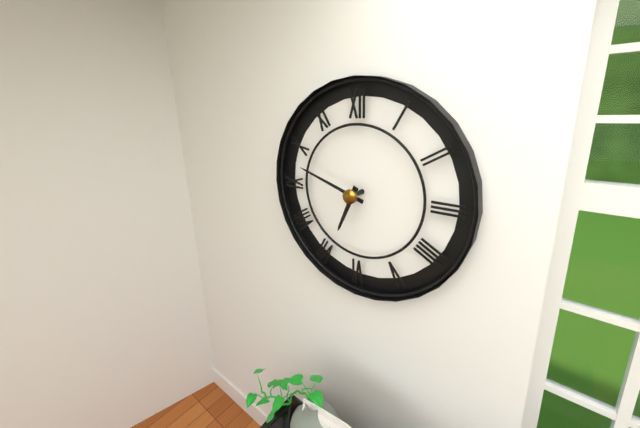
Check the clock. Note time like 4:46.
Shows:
6:48
